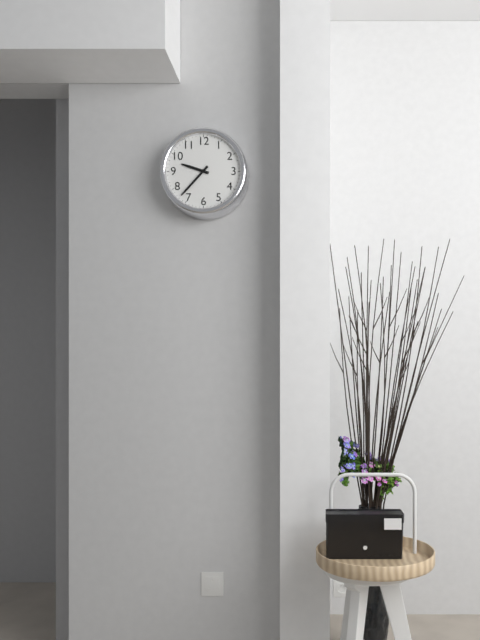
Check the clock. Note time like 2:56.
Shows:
9:37
